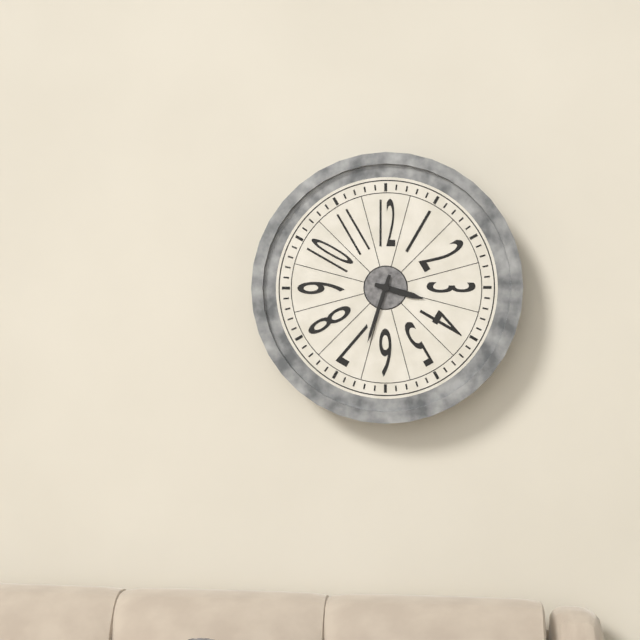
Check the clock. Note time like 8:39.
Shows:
3:33
